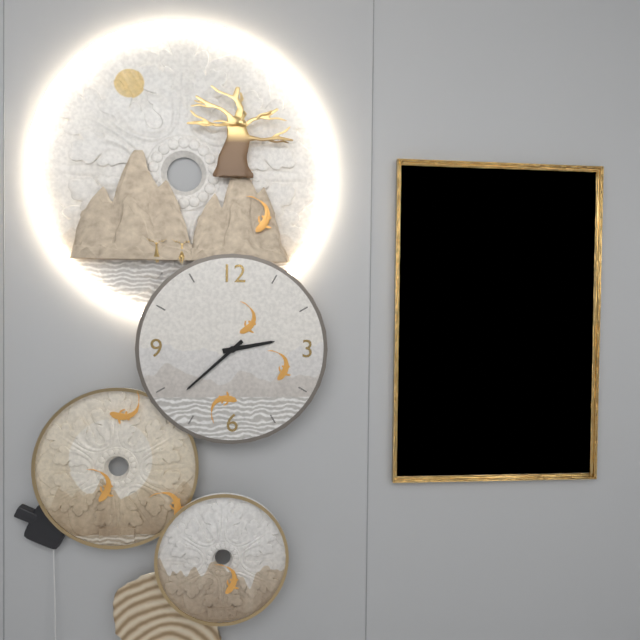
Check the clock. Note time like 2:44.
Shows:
2:38
